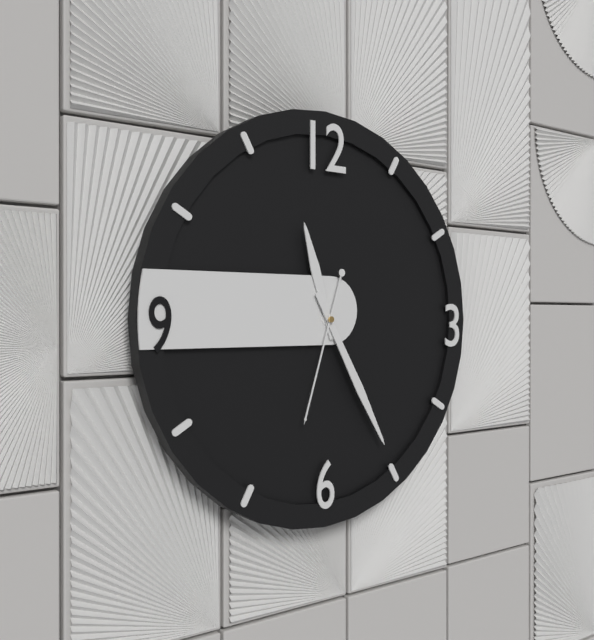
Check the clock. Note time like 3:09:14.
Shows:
11:25:33
